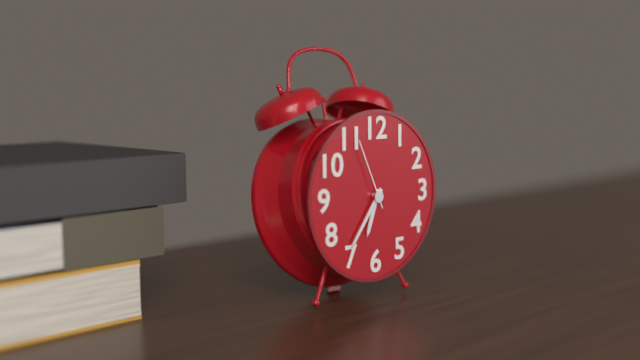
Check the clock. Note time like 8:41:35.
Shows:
6:36:56
